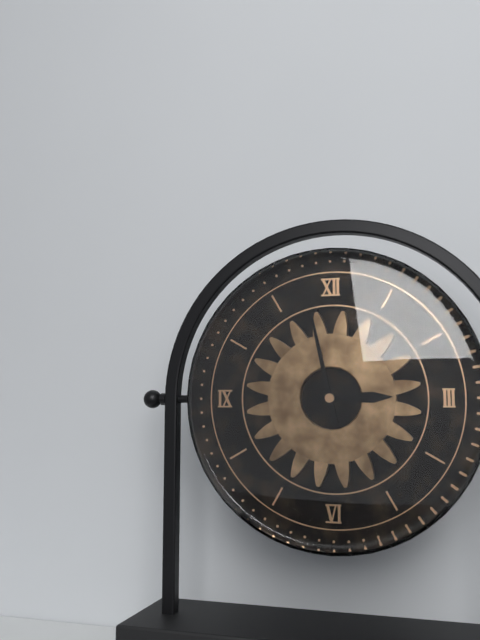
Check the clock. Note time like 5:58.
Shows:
2:58
